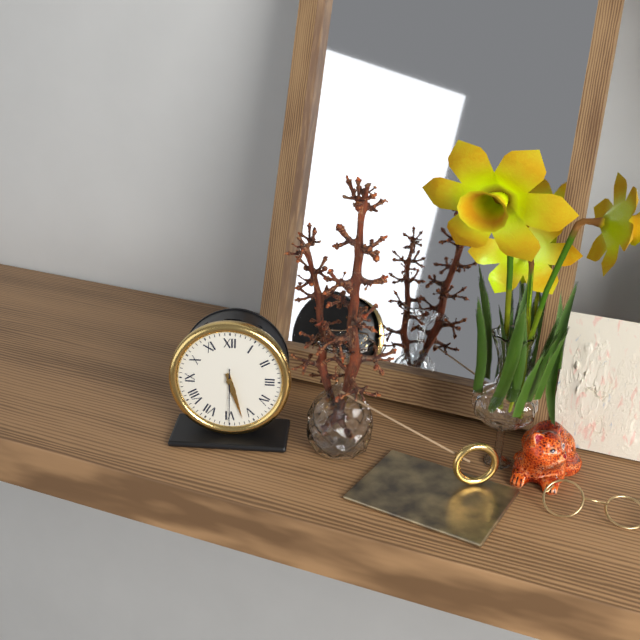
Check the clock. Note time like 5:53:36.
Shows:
5:27:30
